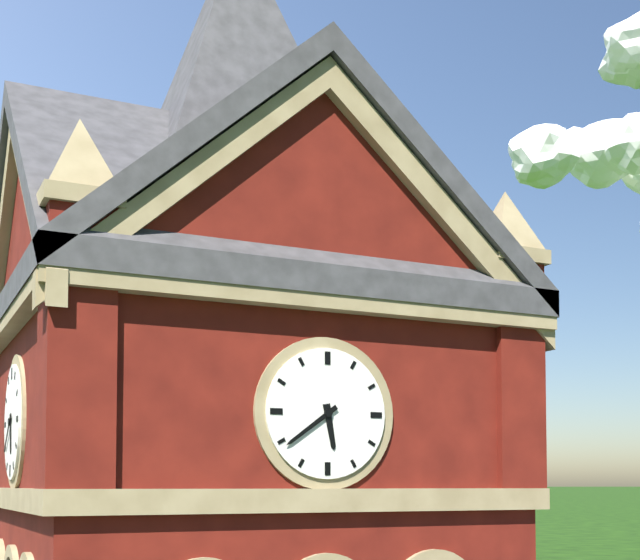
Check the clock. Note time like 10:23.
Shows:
5:39
